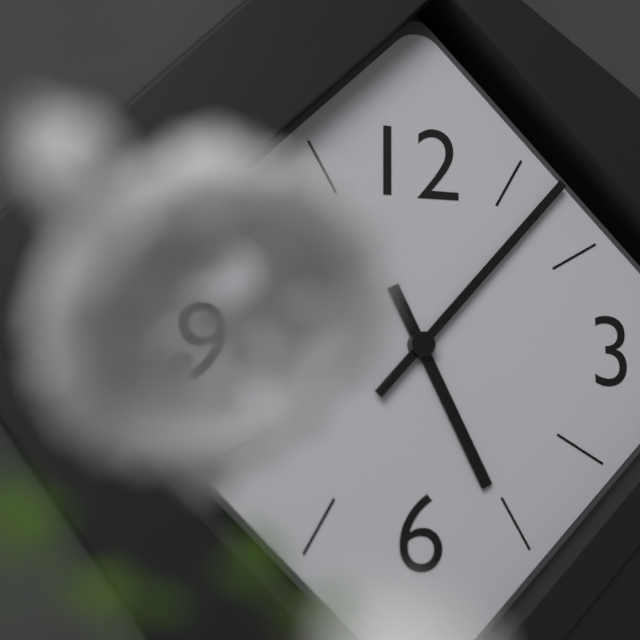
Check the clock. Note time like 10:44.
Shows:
5:07
